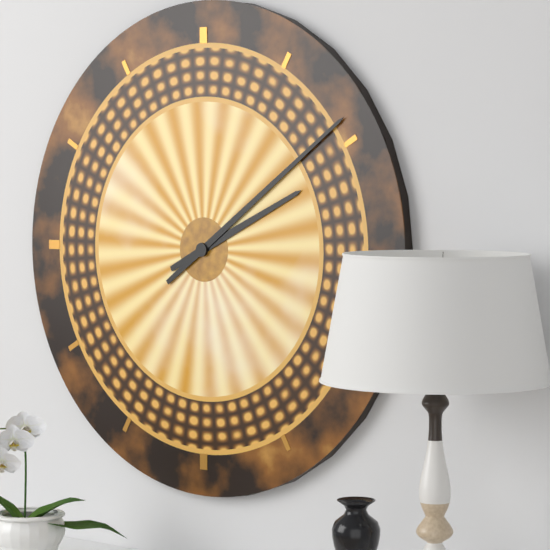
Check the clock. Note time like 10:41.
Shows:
2:09
